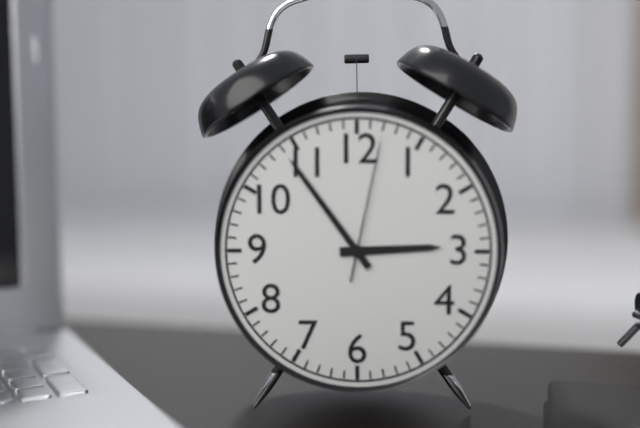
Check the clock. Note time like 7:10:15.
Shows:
2:54:02
